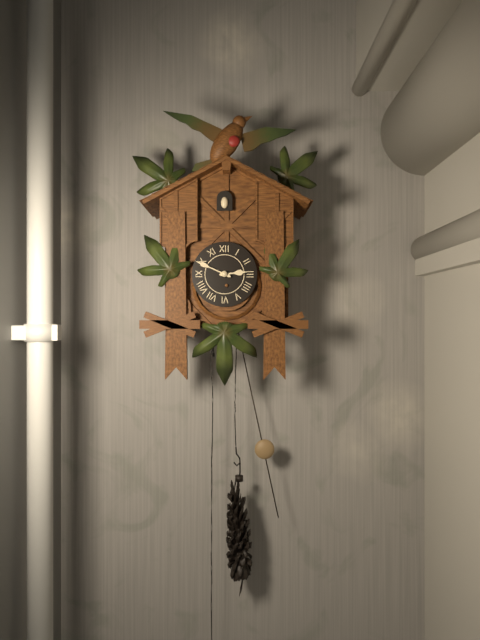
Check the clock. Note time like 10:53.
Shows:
2:49
